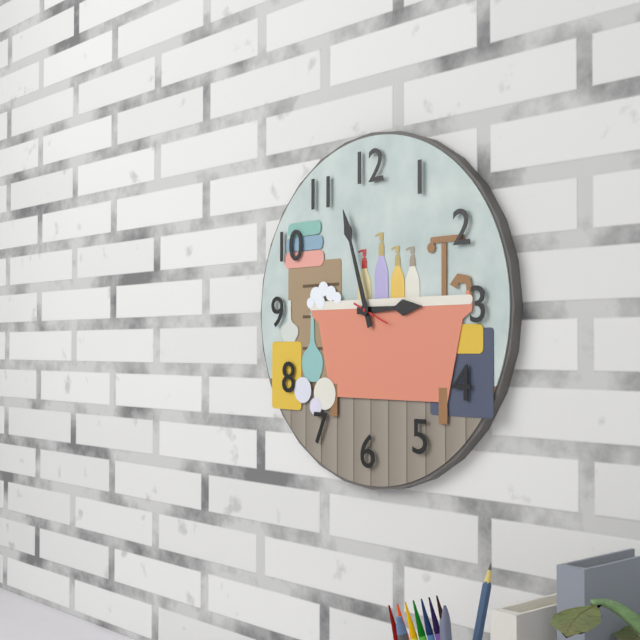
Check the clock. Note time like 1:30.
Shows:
2:57
